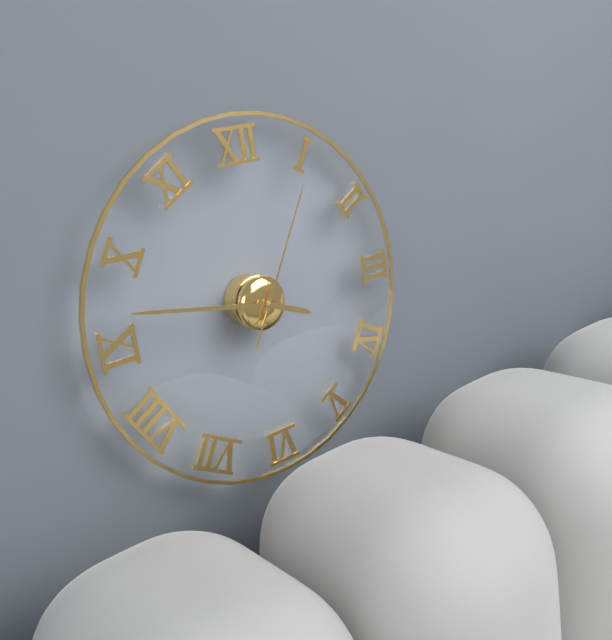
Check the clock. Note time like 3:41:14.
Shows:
3:47:05
